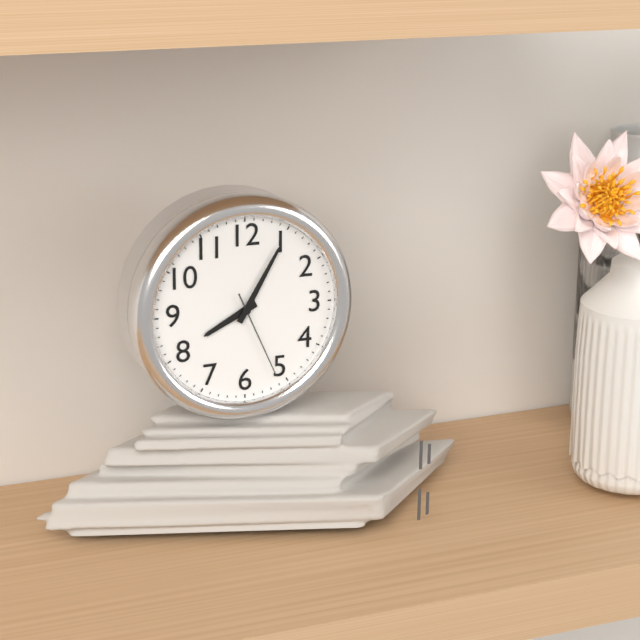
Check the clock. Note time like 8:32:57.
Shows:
8:05:26
